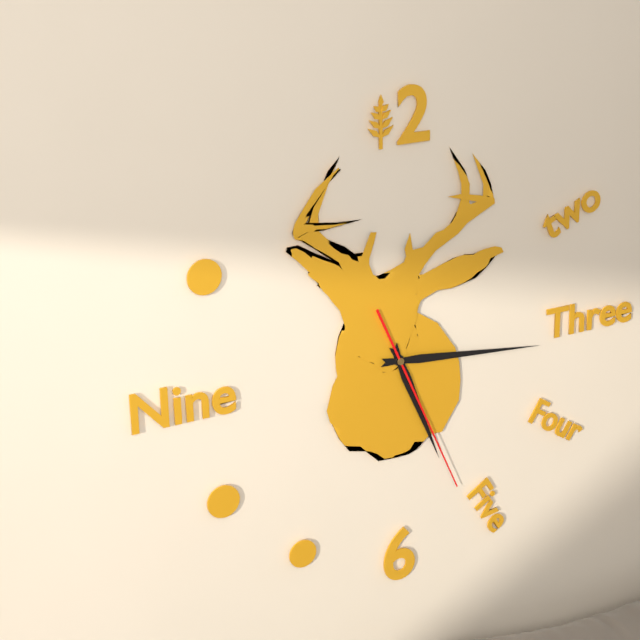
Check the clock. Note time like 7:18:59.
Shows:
5:16:26
